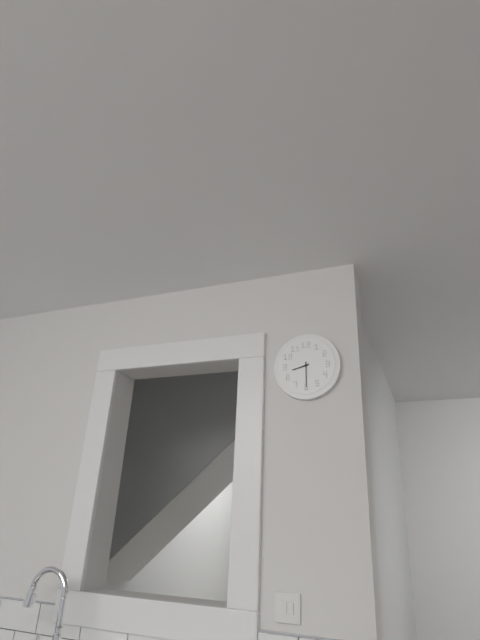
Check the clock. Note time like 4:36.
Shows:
8:30
